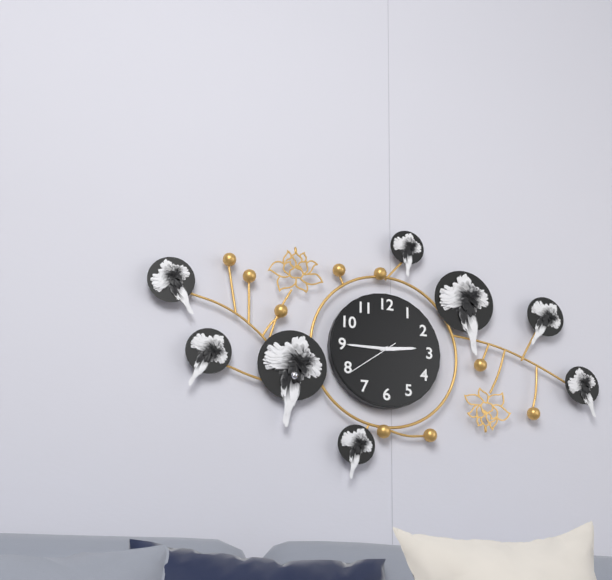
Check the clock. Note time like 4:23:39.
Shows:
2:45:39
